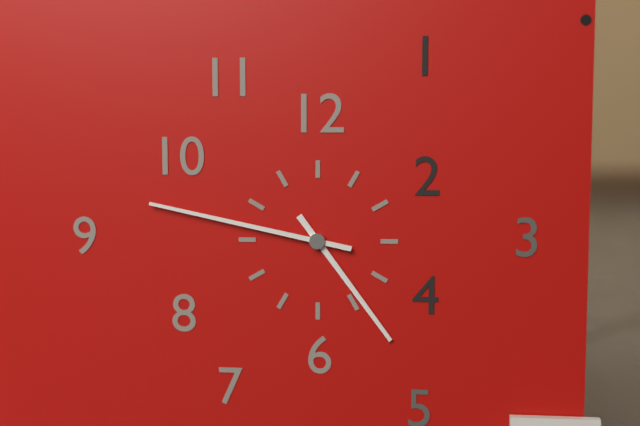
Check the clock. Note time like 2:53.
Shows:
4:47
